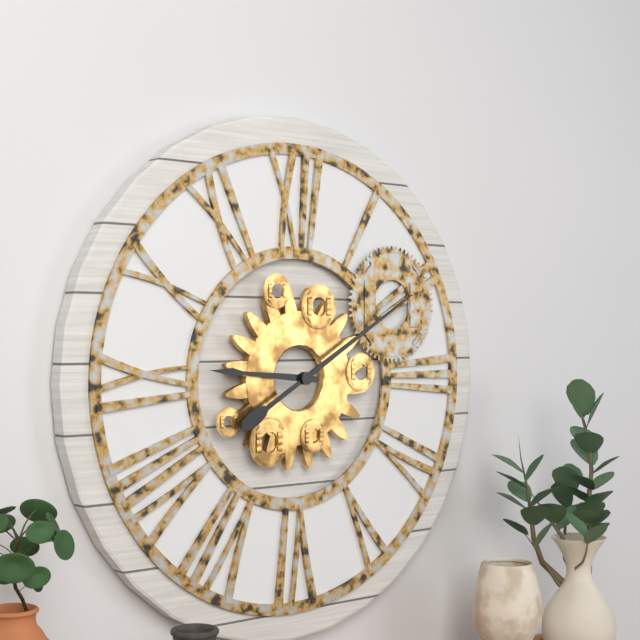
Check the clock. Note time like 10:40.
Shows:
9:10
